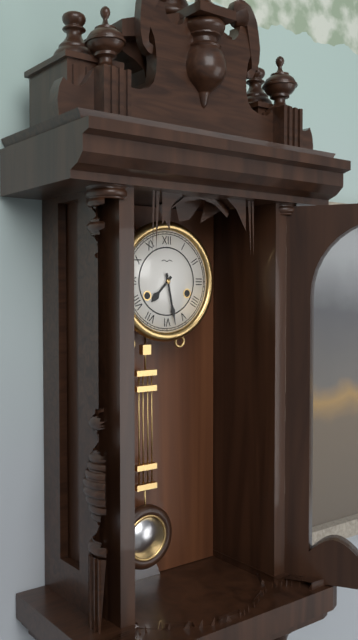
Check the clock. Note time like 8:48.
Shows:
7:28
